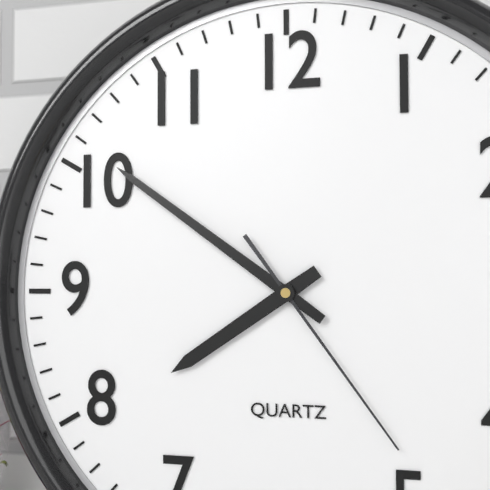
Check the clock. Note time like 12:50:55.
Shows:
7:51:24
